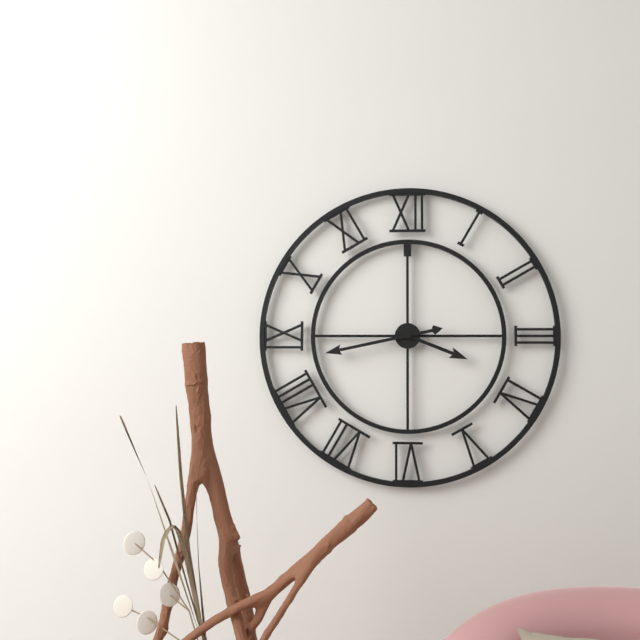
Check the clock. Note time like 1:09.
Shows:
3:43
